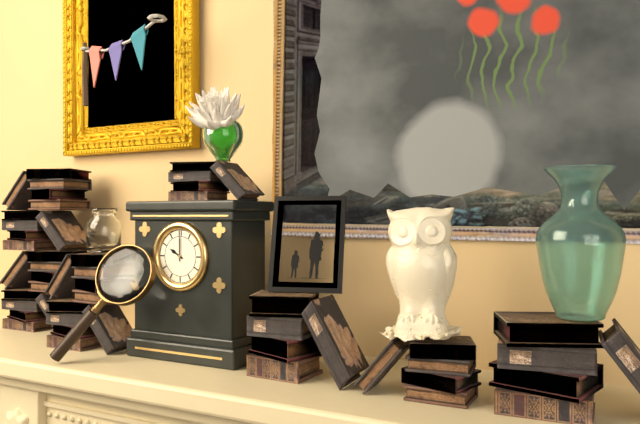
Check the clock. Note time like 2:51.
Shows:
10:00
